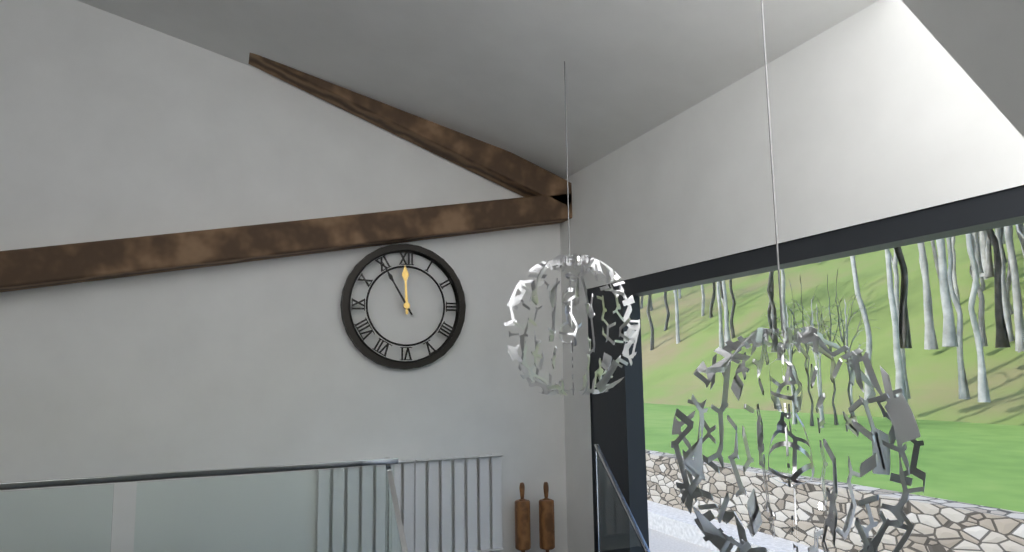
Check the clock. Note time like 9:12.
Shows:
11:55
